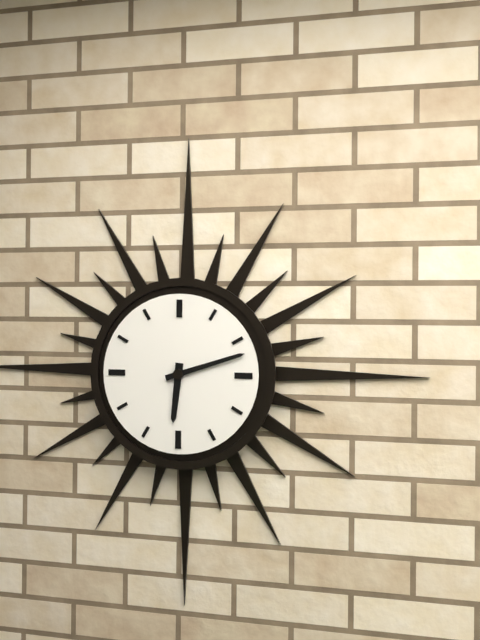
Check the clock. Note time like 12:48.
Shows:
6:12
